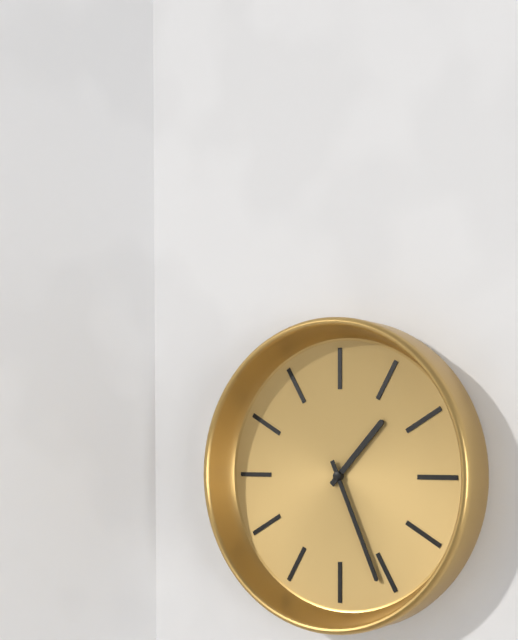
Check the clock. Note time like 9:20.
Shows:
1:26
